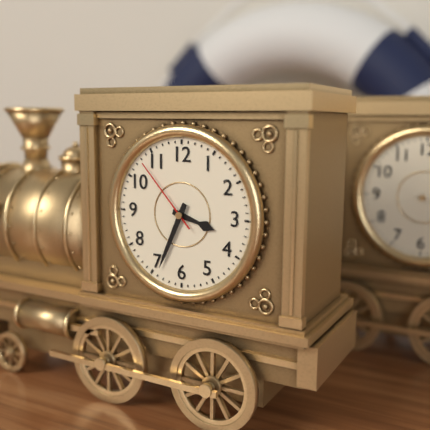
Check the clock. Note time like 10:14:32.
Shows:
3:34:53
